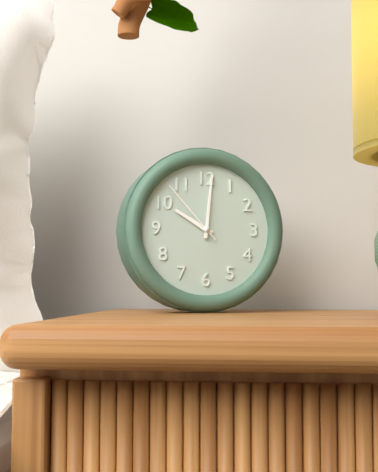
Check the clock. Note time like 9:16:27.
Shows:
10:01:53
